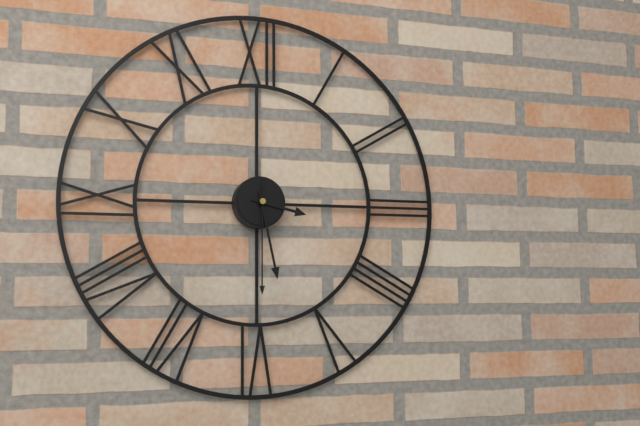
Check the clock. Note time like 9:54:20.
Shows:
3:28:30
